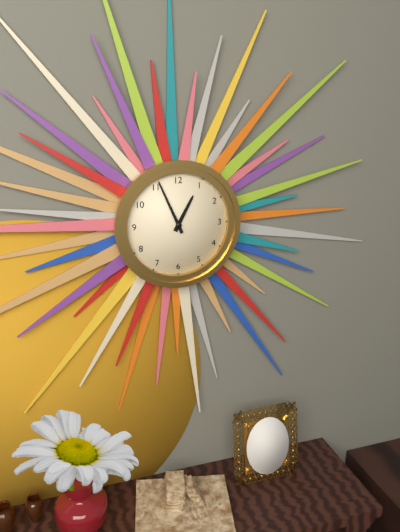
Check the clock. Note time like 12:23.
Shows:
12:56
